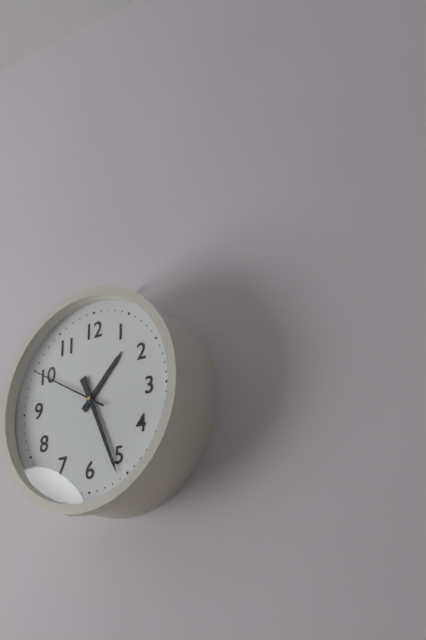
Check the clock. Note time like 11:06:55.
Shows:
1:26:50
